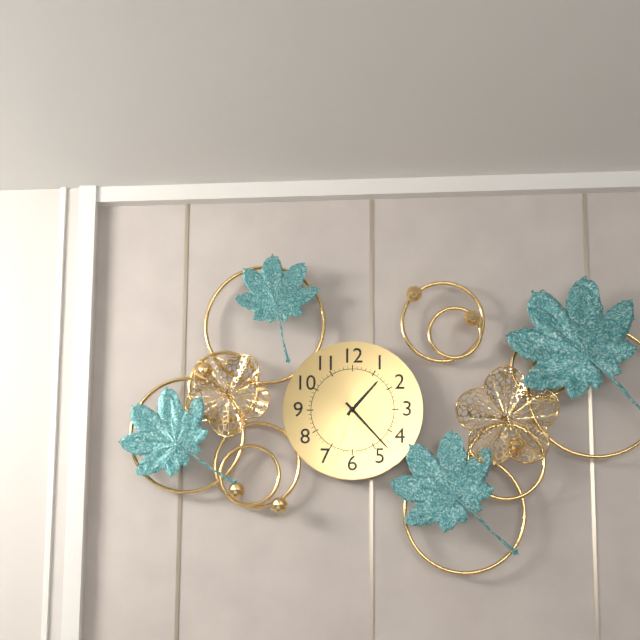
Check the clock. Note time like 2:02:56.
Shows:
1:23:33
